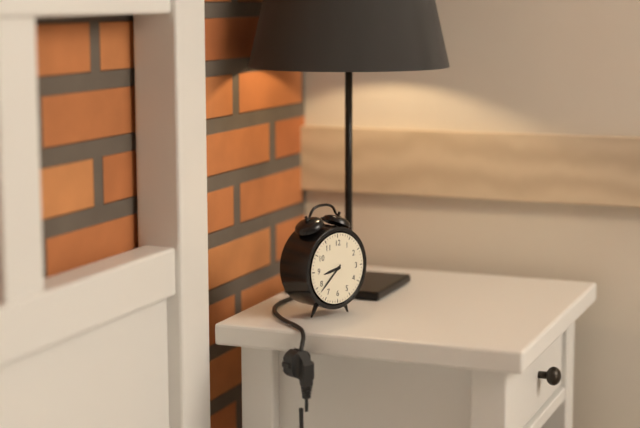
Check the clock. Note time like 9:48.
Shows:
8:38
